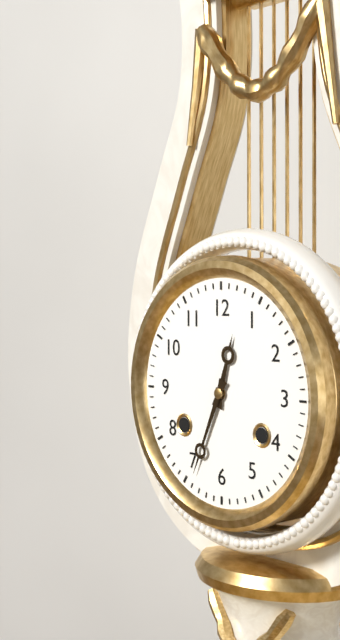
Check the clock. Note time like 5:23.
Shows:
12:34
